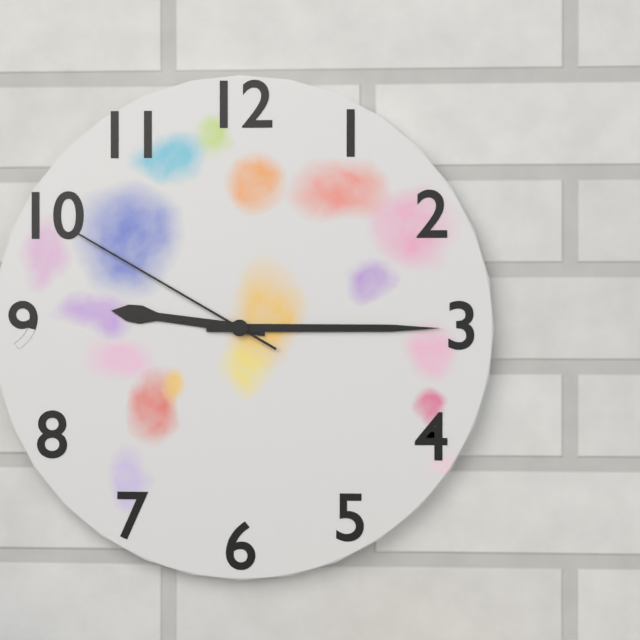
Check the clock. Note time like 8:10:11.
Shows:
9:15:50
